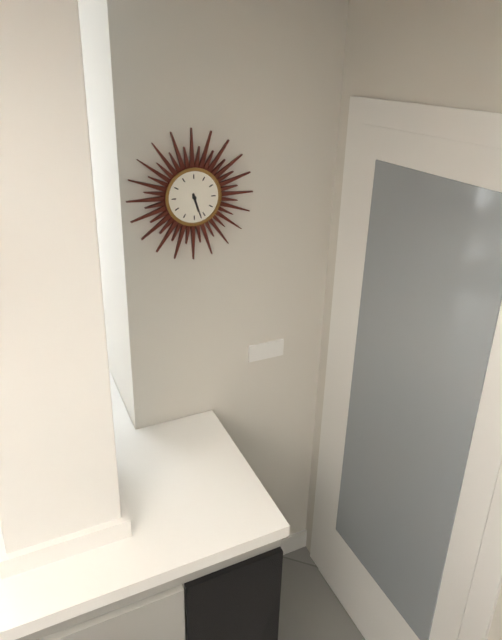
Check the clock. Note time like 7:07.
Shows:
5:27
